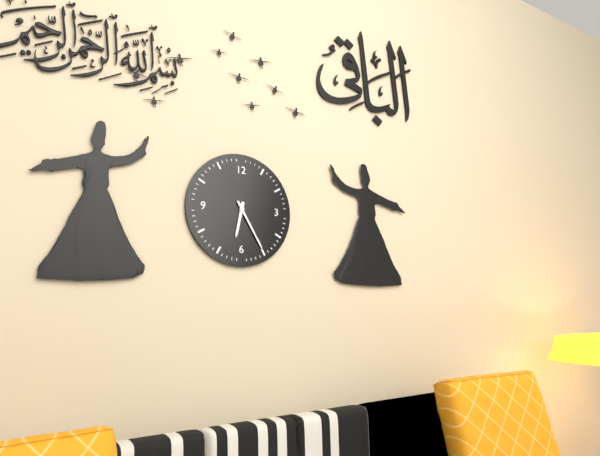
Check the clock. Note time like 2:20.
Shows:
6:25
